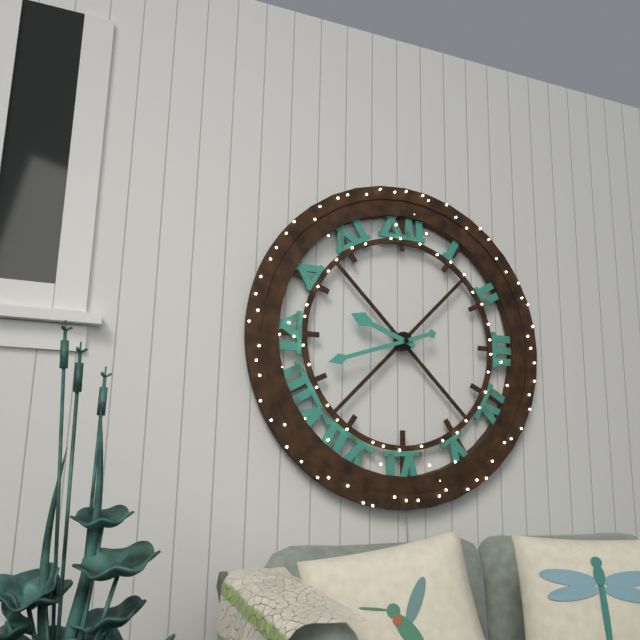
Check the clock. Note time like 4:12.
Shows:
9:42
